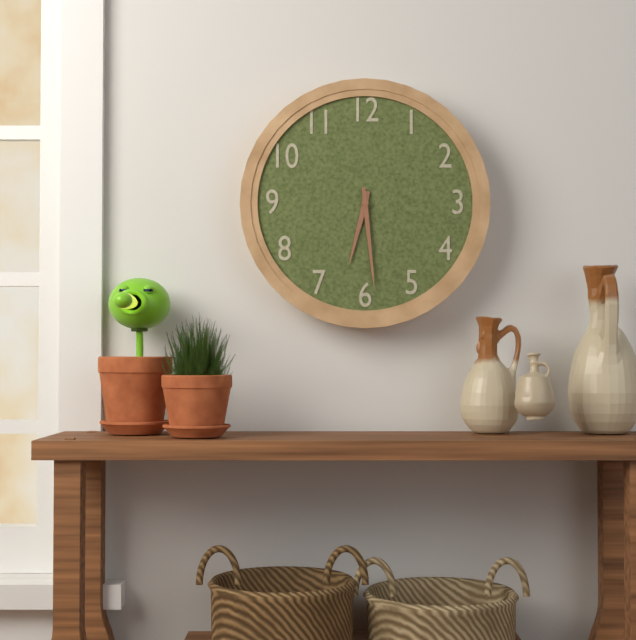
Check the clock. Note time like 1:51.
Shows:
6:29
